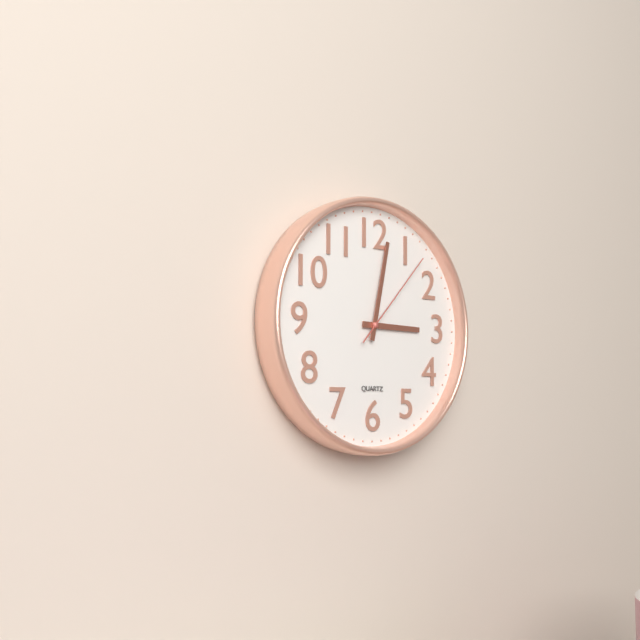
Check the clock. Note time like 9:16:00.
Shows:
3:02:07
